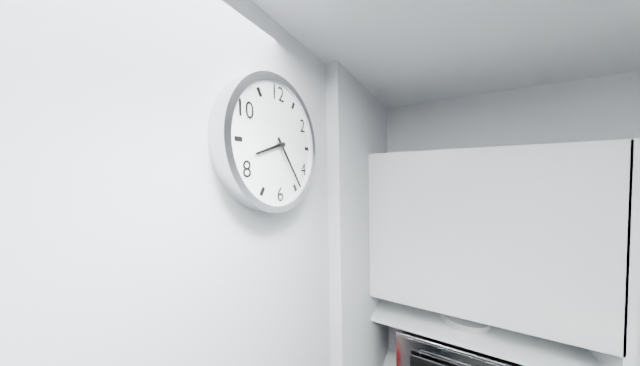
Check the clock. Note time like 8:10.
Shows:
8:24
